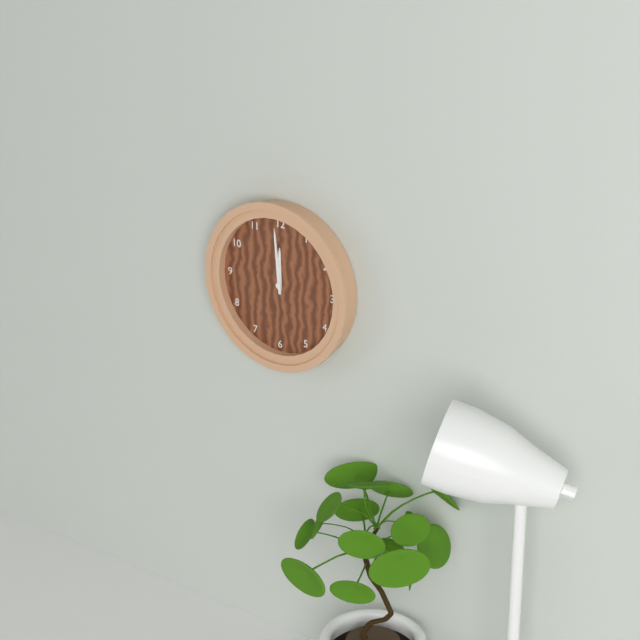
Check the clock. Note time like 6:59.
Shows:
11:59
